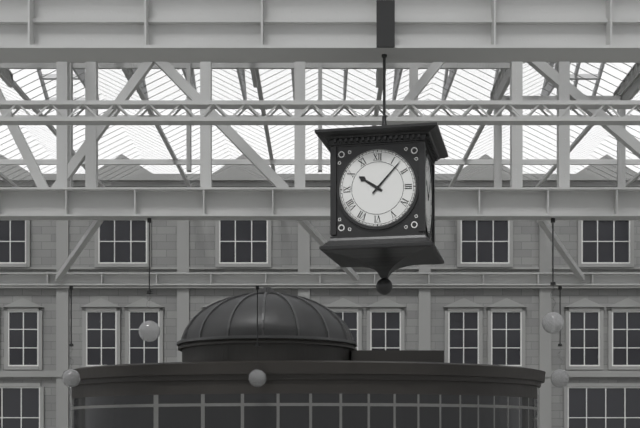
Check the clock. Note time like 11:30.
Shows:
10:07
